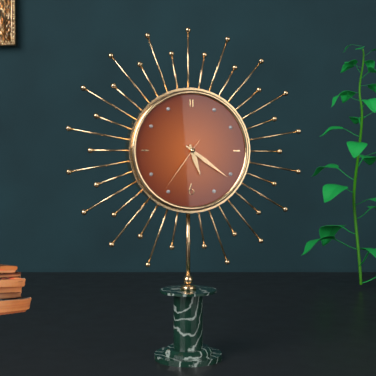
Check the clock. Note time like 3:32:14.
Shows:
5:21:36
